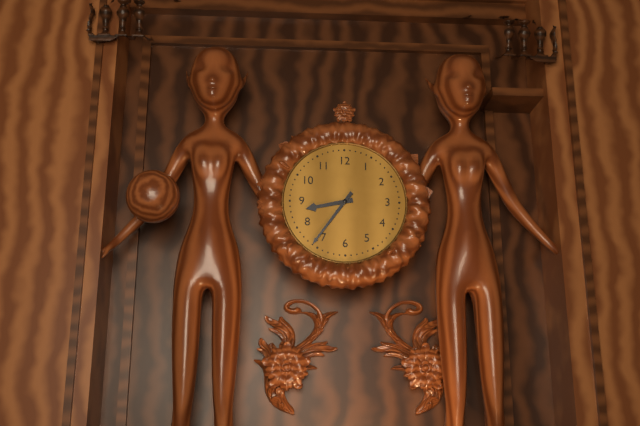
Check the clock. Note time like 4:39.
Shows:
8:36
